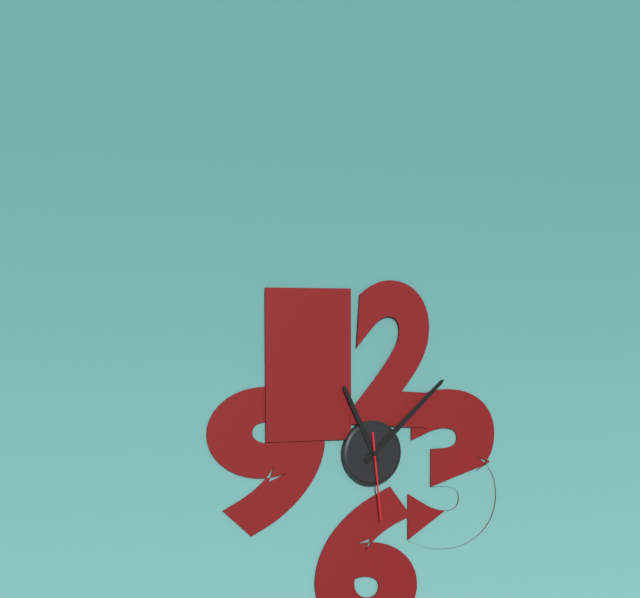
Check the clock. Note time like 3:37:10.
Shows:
11:08:29
